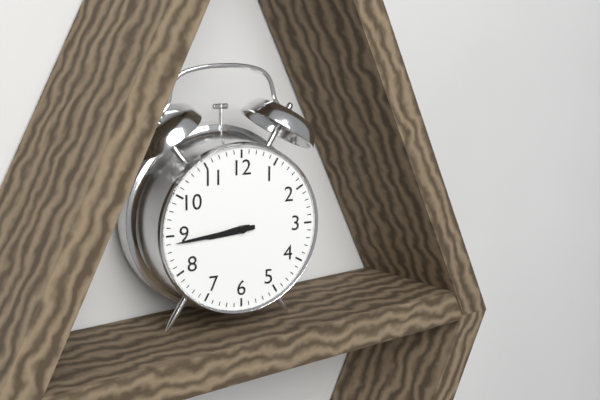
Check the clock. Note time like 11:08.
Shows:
8:44
